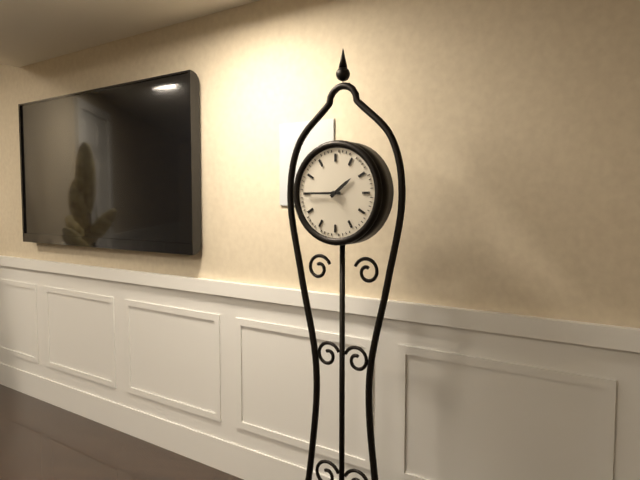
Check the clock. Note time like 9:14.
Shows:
1:45
